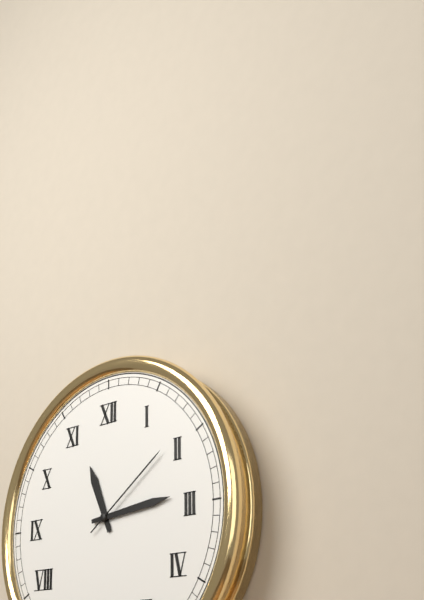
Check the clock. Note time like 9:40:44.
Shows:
11:14:09
